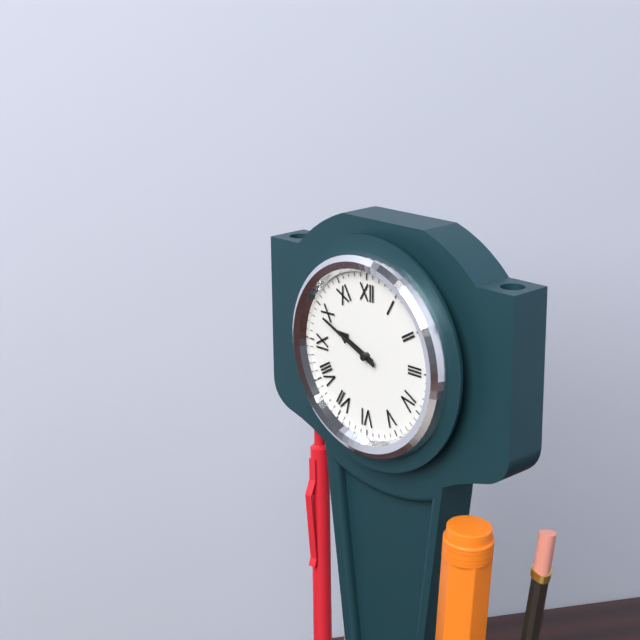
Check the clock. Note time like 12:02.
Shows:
9:49
